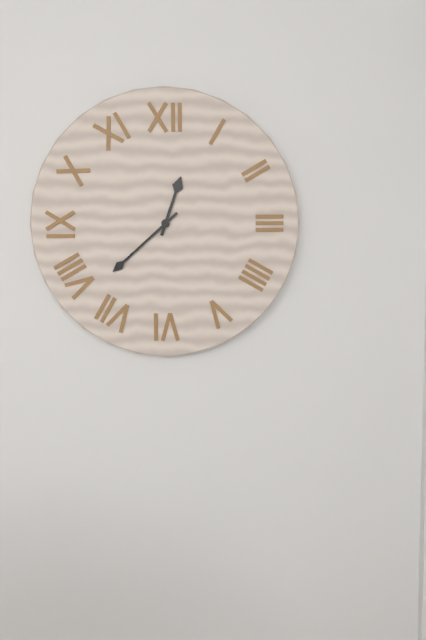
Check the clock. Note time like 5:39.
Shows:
12:38
